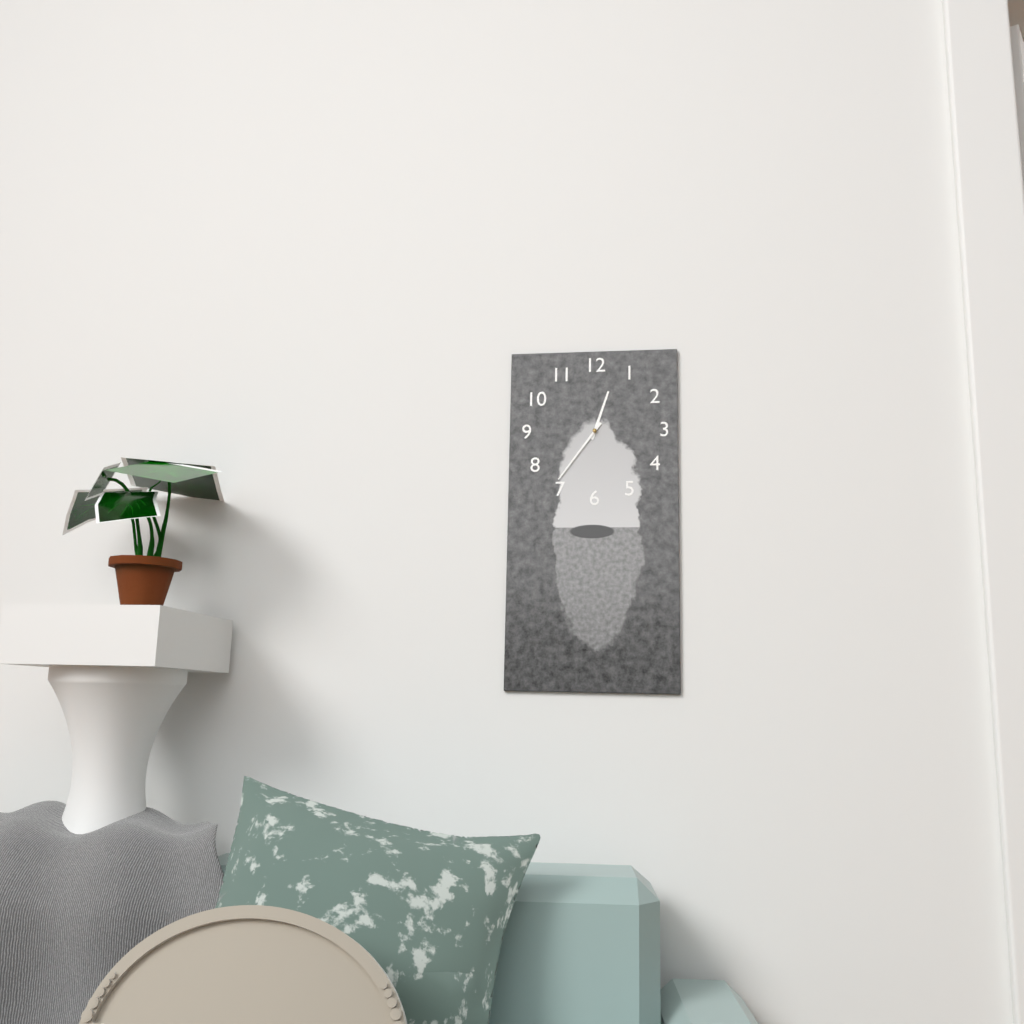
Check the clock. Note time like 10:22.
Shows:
12:36
